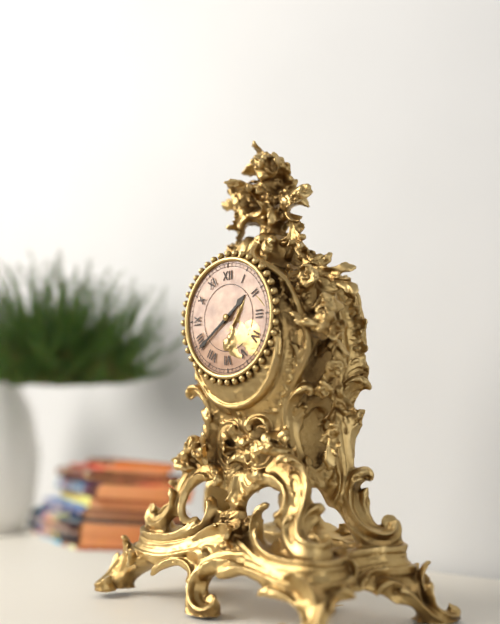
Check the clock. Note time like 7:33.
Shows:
1:39
